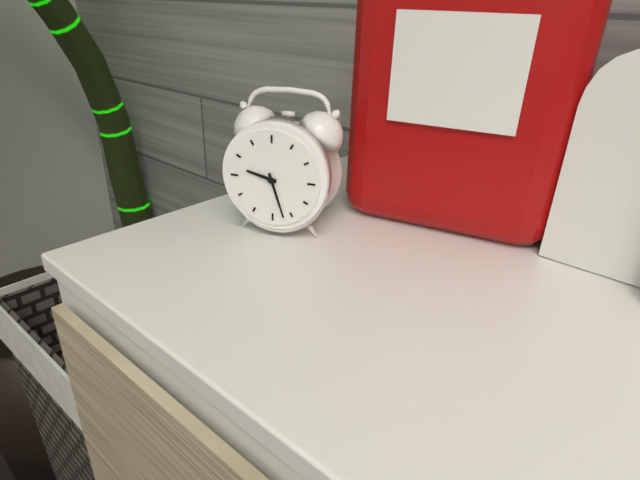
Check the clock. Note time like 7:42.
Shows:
9:27
